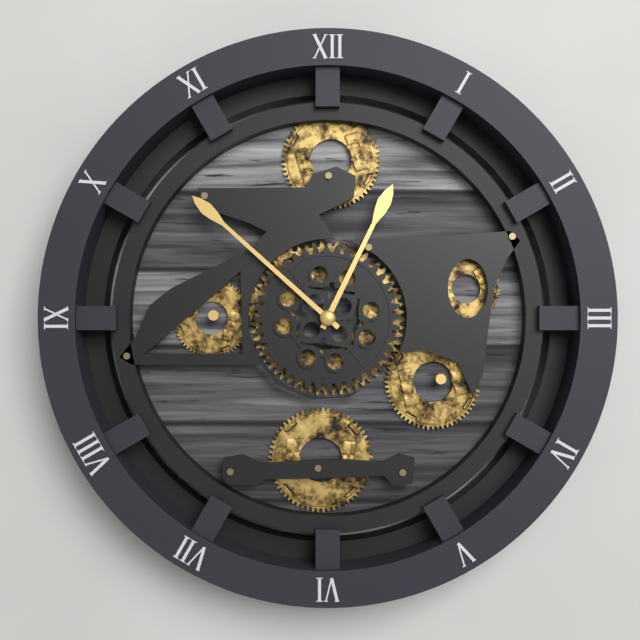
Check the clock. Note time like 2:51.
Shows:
12:52
